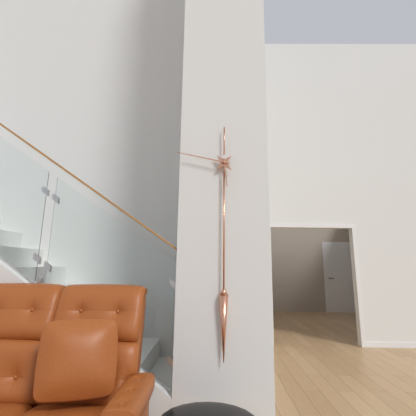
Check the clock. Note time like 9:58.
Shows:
5:47
